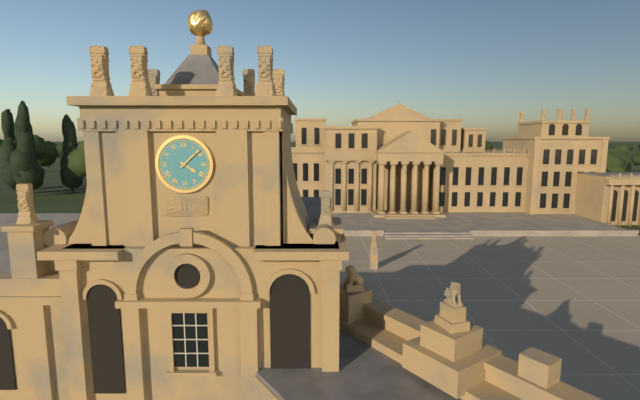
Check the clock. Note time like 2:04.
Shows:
4:08
